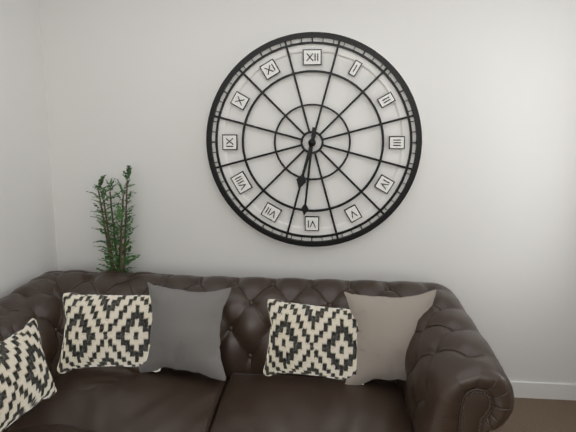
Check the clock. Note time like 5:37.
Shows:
6:31
